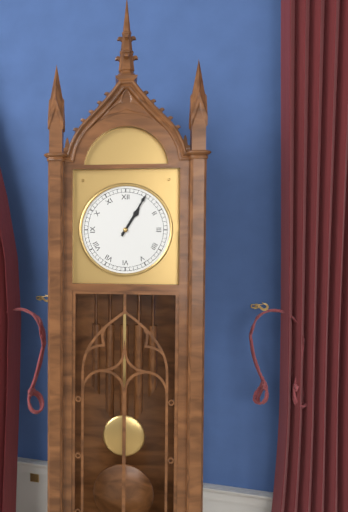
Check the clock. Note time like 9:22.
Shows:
1:05
